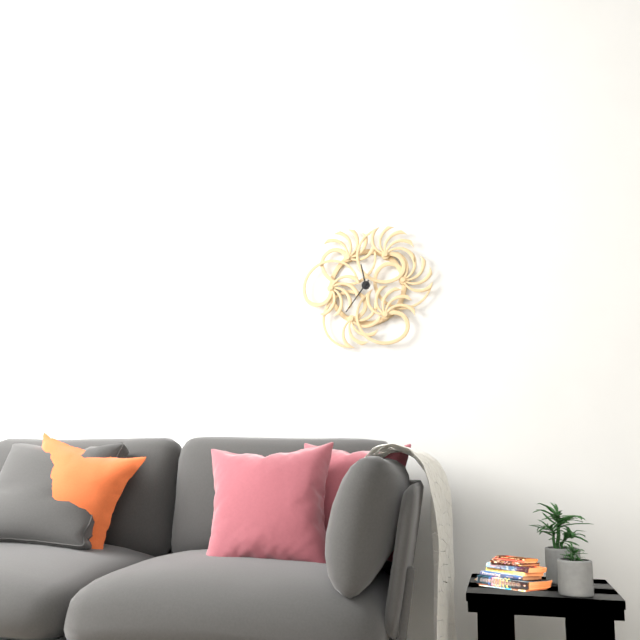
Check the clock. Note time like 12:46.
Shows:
11:36
